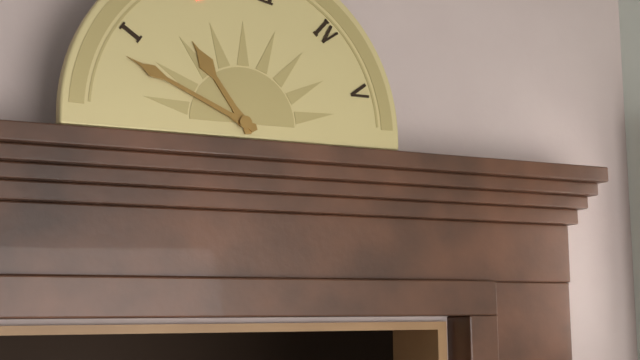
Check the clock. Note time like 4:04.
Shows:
10:49
